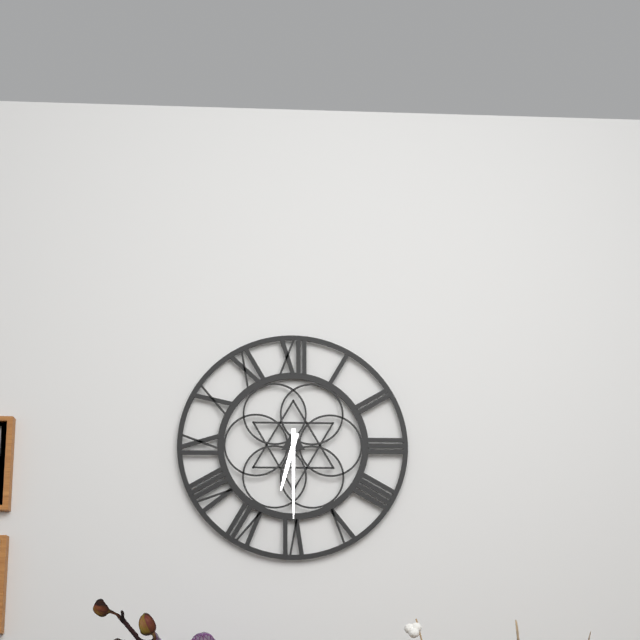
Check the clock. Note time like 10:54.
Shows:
6:30
